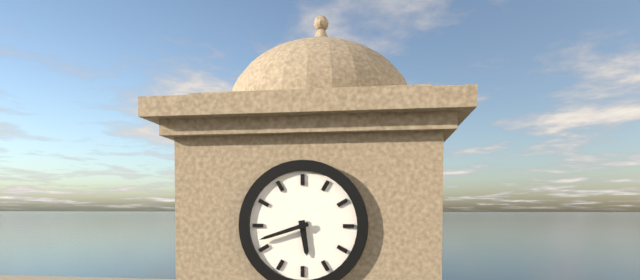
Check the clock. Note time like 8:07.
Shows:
5:42
